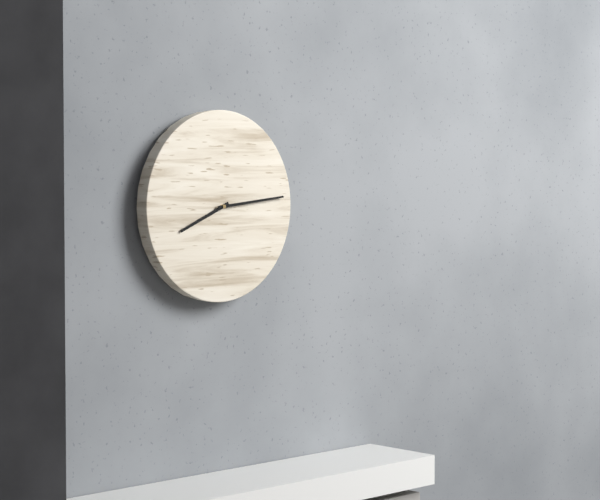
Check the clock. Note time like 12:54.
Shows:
8:14
